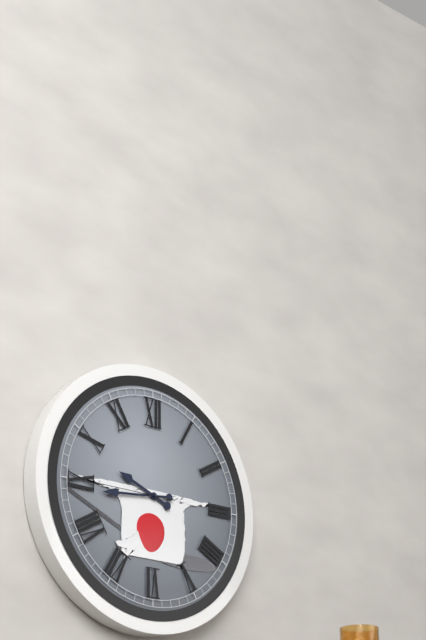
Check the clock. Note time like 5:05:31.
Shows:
9:44:45
